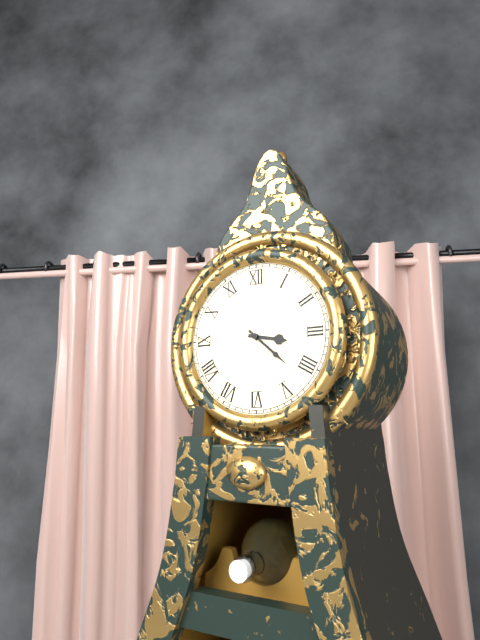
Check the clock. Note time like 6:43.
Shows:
3:22
